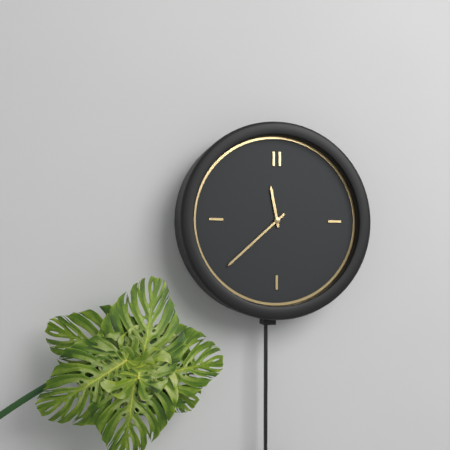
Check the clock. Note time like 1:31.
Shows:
11:38
